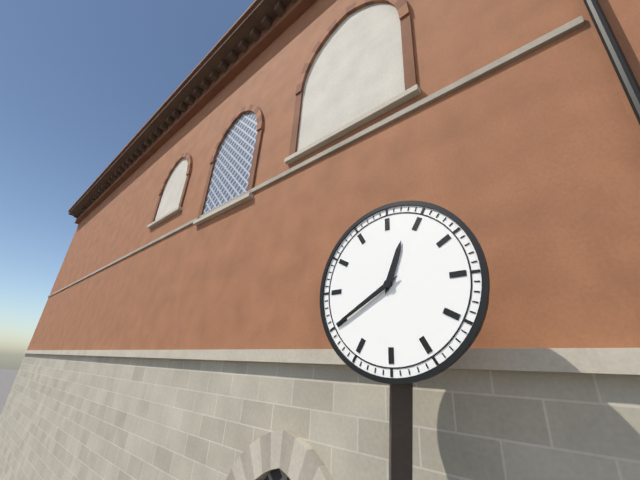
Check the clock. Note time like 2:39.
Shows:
12:40
